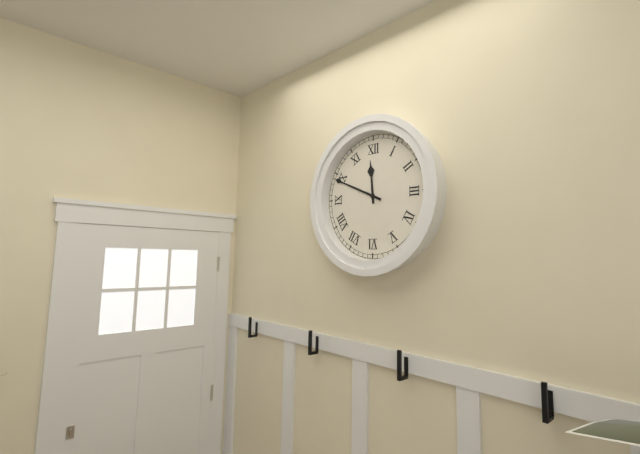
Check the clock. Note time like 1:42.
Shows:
11:49
